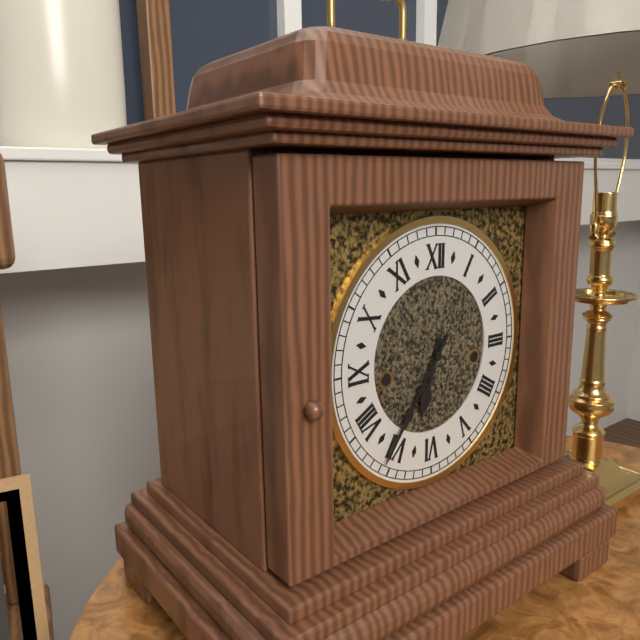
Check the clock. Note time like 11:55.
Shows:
6:36
